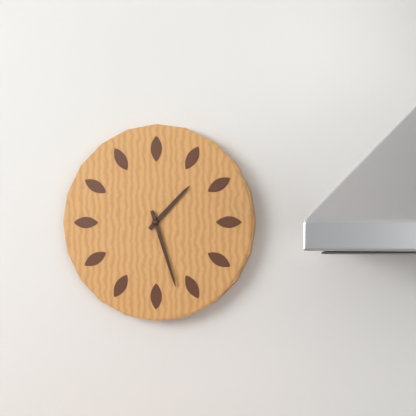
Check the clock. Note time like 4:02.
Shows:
1:27
